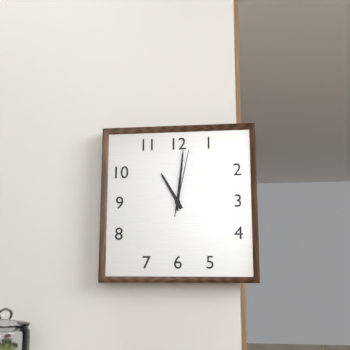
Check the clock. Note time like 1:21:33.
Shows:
11:01:02
